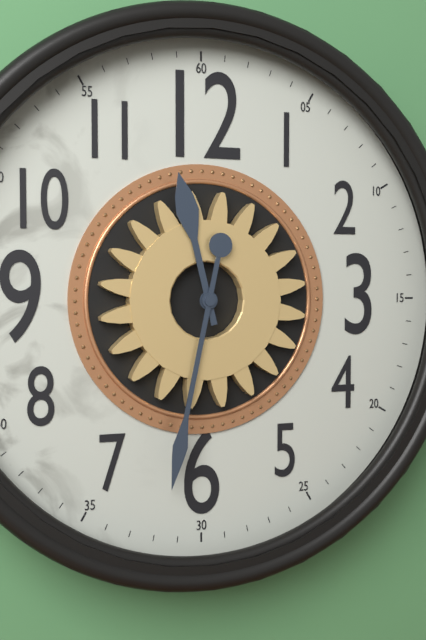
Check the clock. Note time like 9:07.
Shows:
11:32
